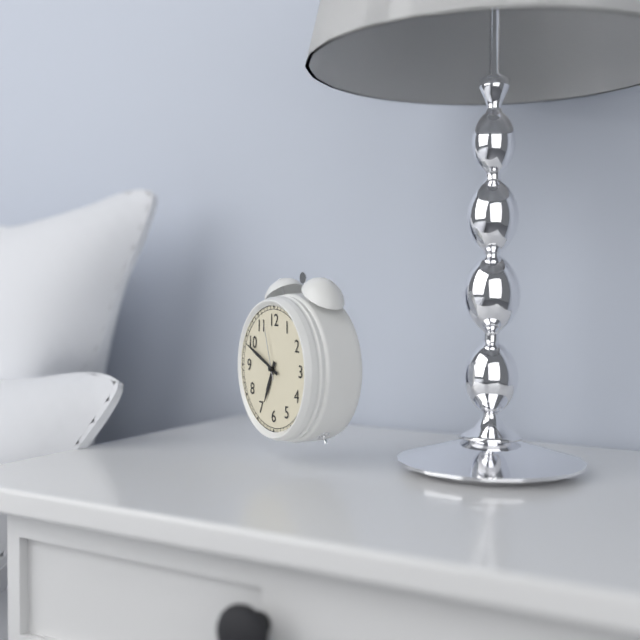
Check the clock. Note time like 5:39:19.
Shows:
6:49:57
